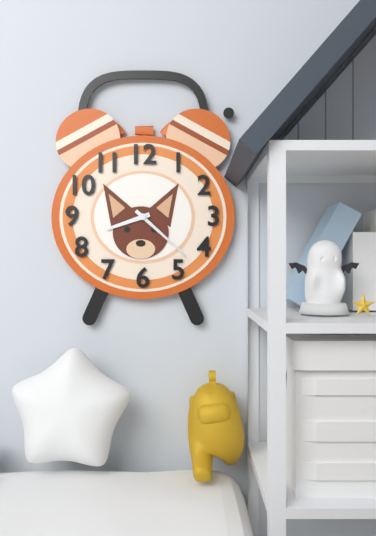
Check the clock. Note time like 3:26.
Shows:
8:22
